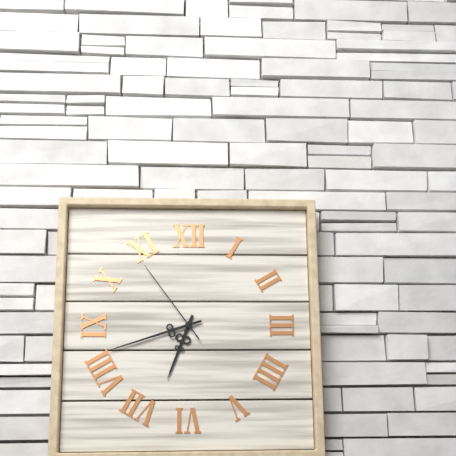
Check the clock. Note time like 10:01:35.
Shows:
6:42:54
